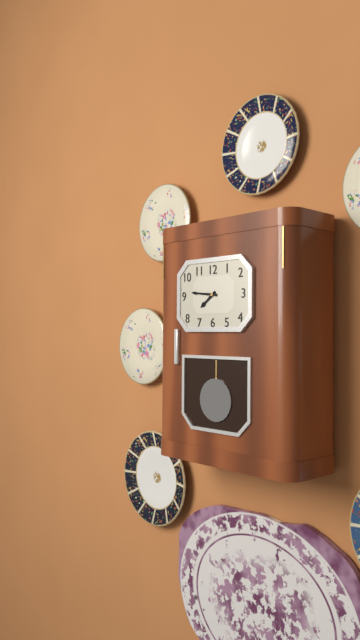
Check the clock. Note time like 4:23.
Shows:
7:46
